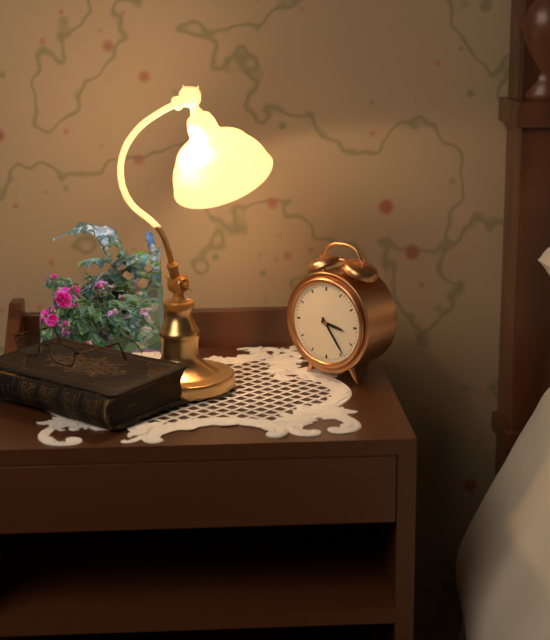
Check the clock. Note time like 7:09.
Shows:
3:24
